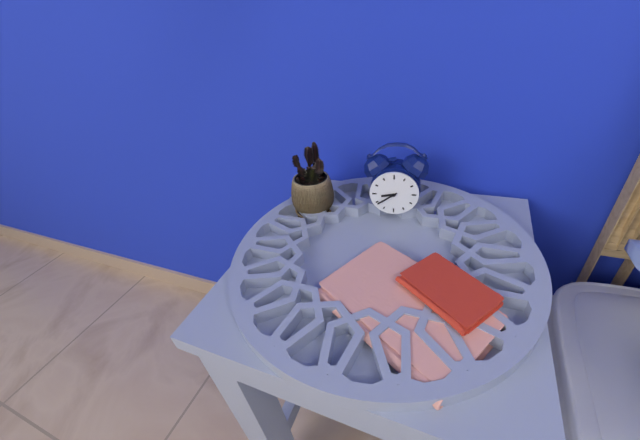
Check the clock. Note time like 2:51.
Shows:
8:39
